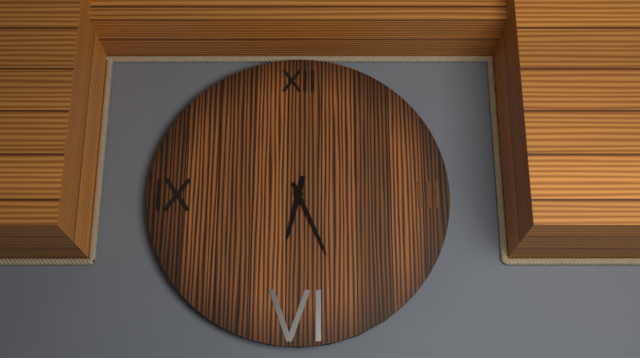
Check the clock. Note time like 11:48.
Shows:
6:26
